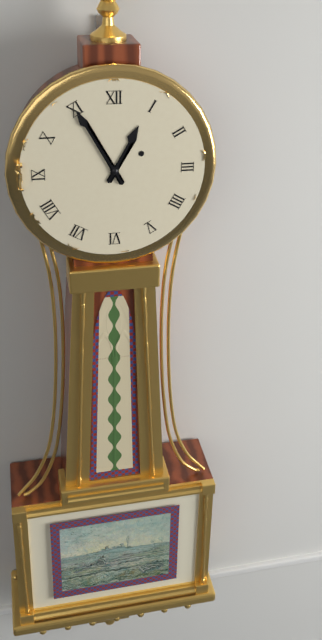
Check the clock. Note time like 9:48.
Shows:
12:55
